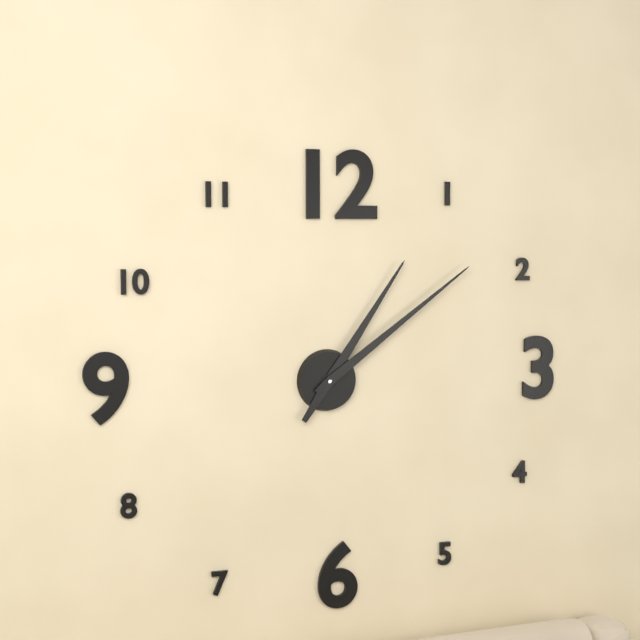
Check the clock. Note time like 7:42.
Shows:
1:09
